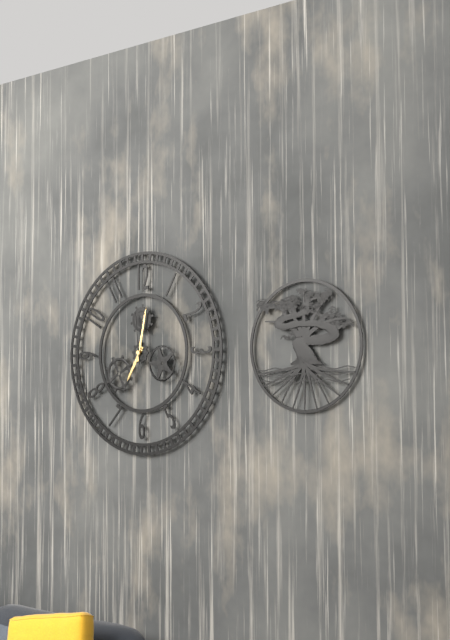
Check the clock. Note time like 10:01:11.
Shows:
7:02:59
